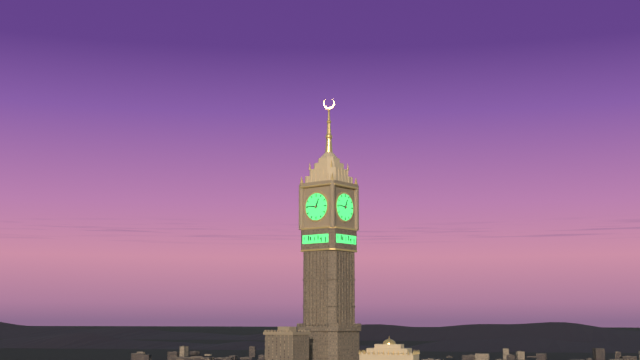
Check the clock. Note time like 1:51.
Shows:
12:46
